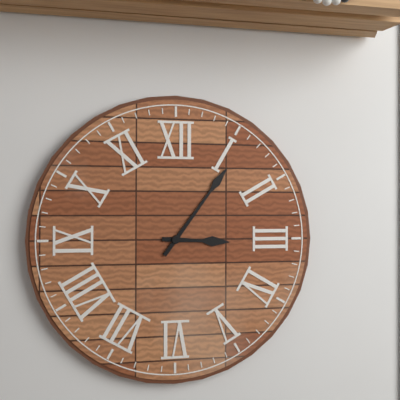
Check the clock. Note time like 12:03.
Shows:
3:06
